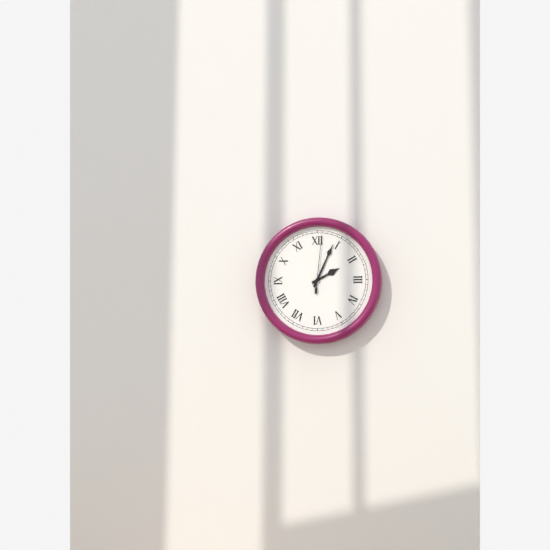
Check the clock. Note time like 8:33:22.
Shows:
2:04:01
